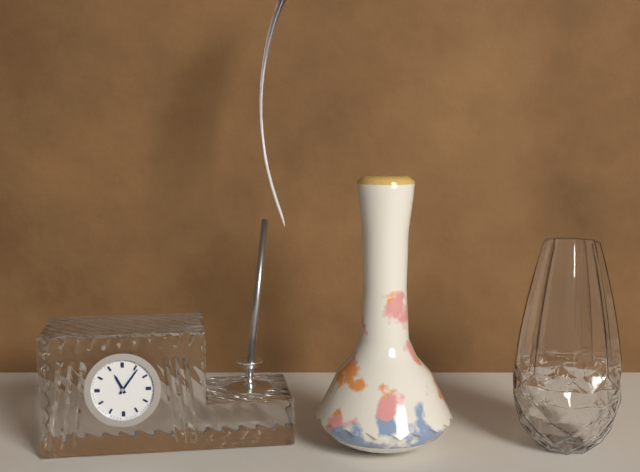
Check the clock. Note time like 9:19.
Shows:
11:06
